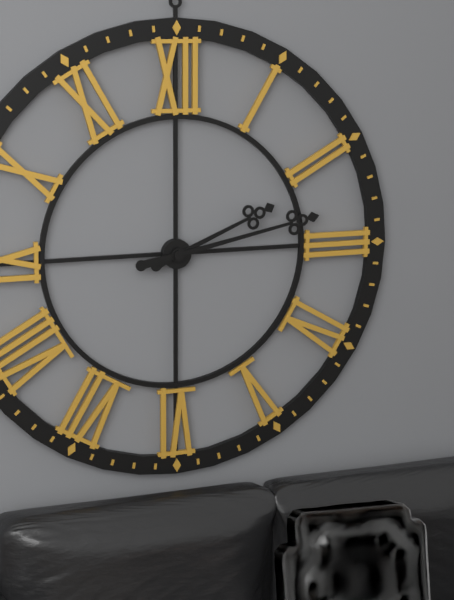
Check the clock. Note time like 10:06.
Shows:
2:13
